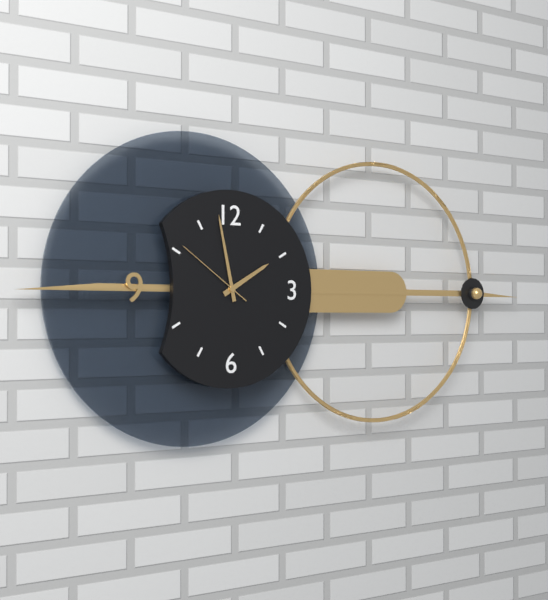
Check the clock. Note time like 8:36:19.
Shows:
1:58:51
